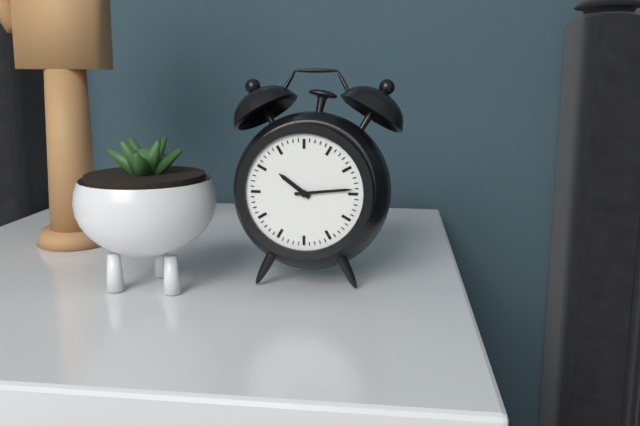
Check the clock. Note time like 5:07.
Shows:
10:14
